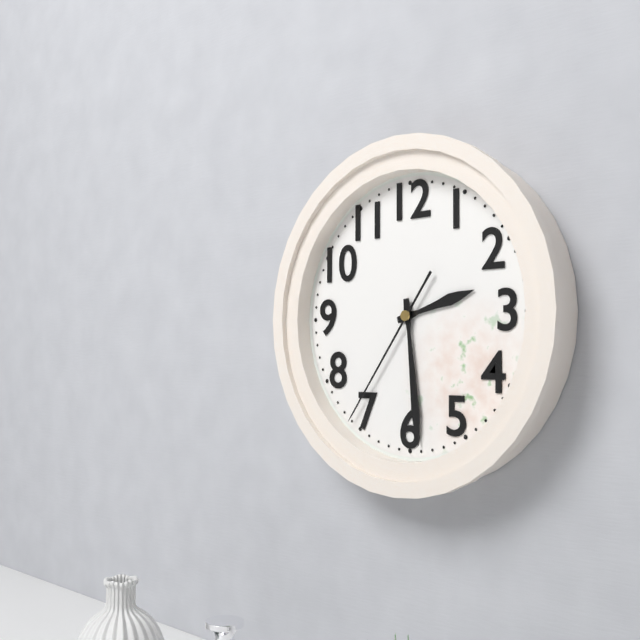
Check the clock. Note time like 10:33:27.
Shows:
2:29:36
